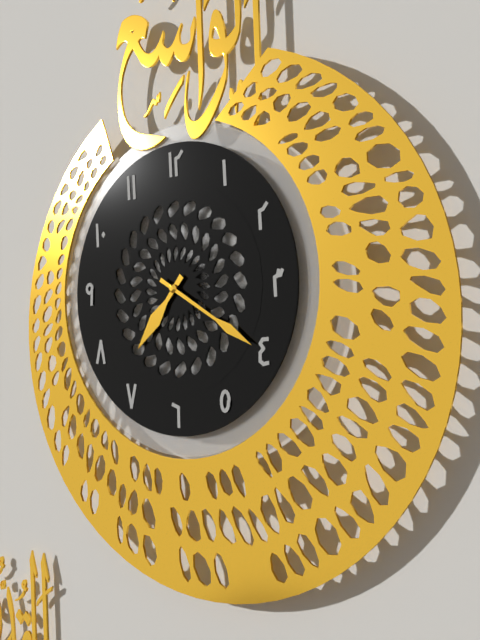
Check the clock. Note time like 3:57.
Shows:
7:20
